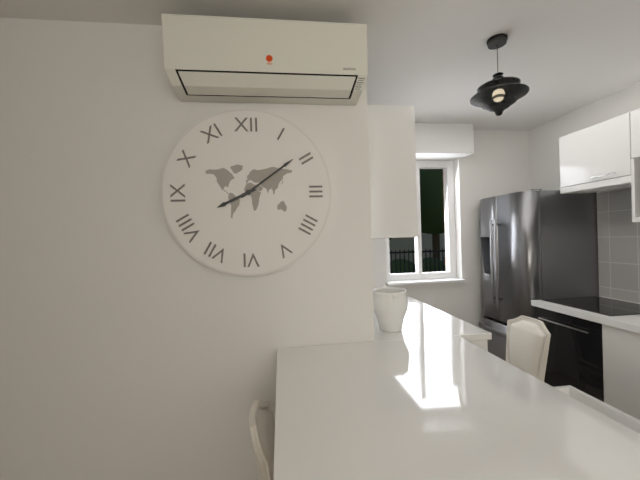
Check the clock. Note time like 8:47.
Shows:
8:09
